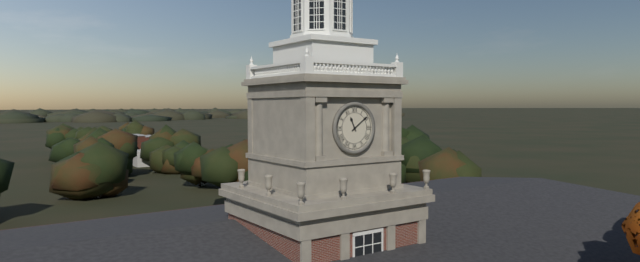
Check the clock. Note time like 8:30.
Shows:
11:09
